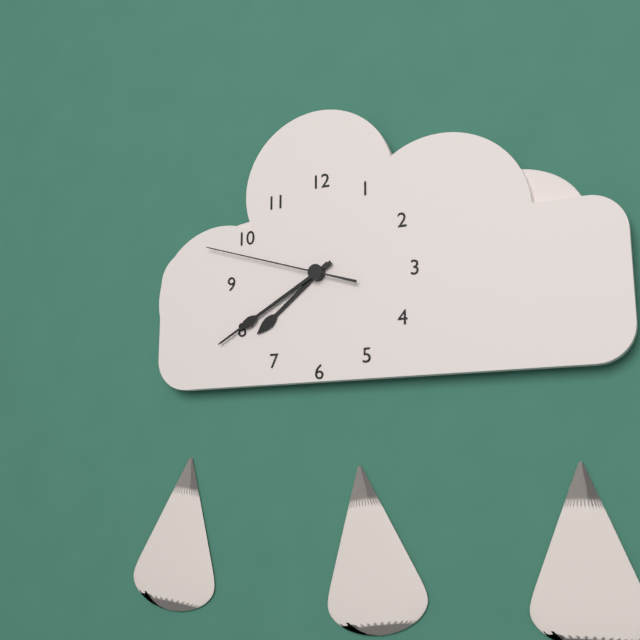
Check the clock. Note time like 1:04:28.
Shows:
7:40:48
